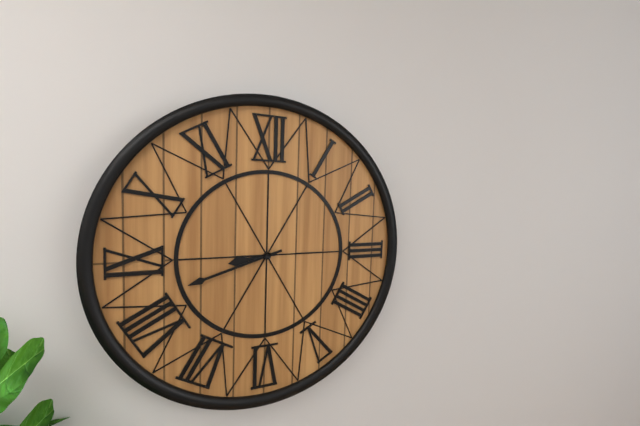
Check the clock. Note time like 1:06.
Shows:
8:42
